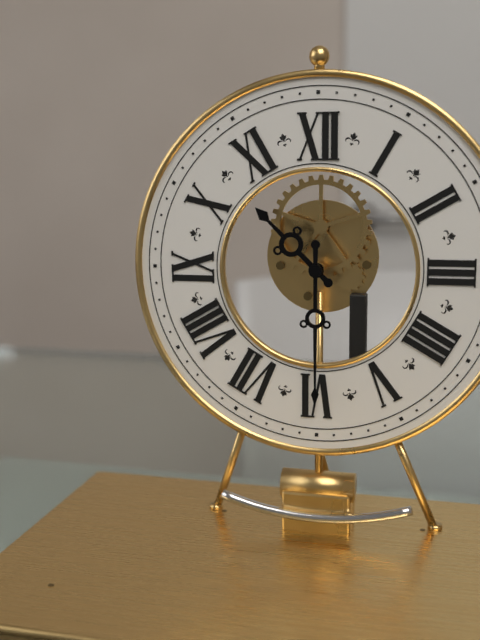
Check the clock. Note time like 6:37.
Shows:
10:30
